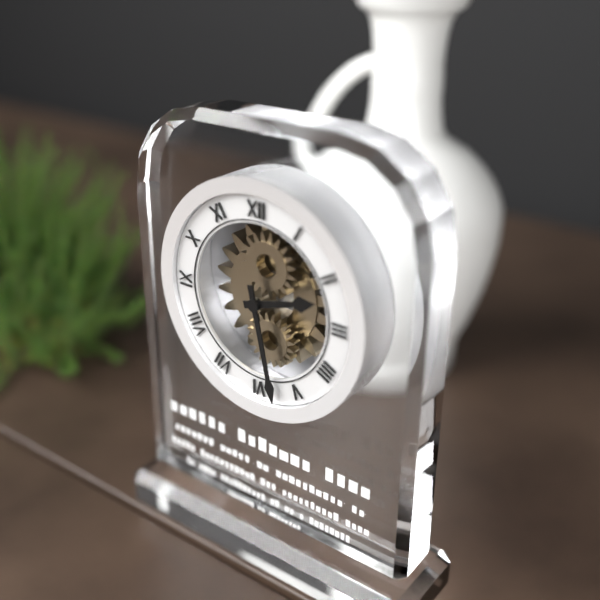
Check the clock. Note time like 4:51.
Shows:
2:28
